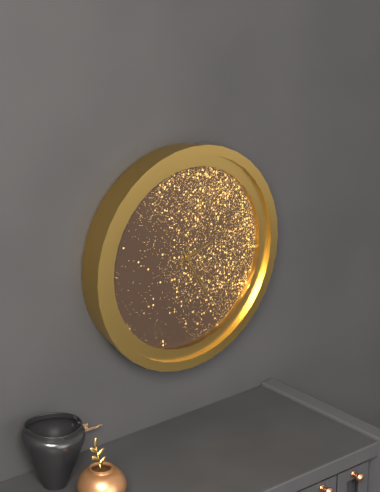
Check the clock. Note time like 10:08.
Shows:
2:25
